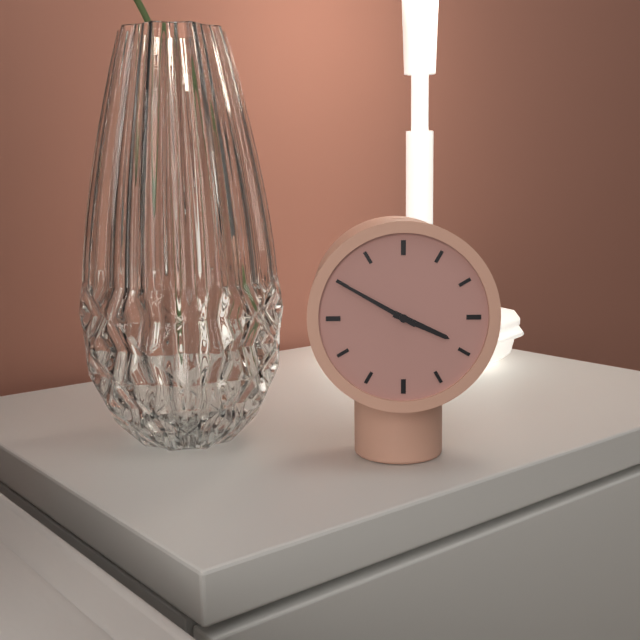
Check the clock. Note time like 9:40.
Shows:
3:50
